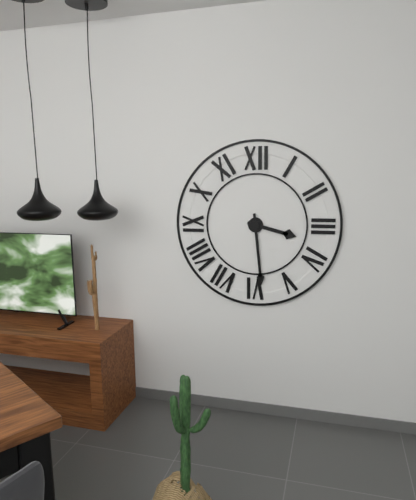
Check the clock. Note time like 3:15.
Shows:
3:29
